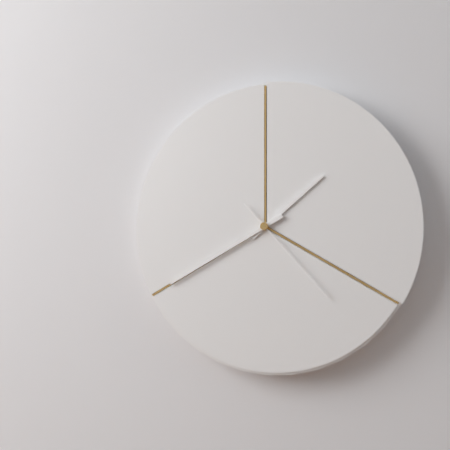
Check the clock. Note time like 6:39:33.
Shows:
1:40:23
